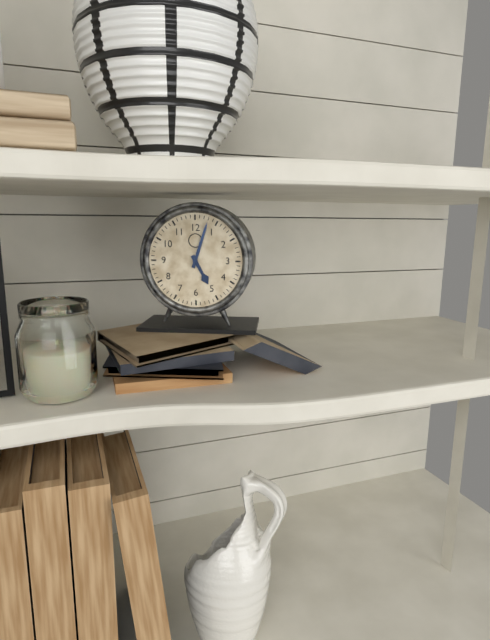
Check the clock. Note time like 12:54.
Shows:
5:03
